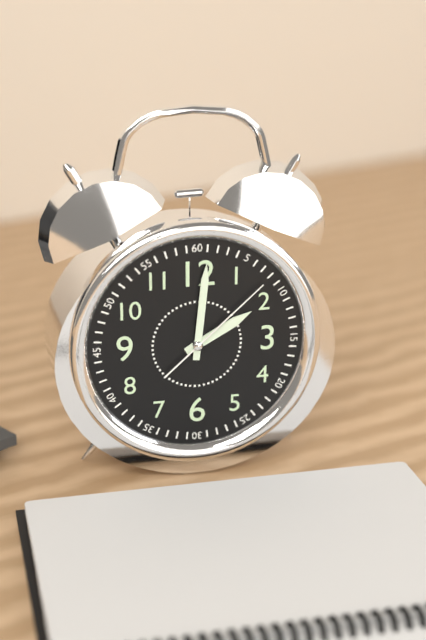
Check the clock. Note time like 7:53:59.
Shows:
2:01:08
